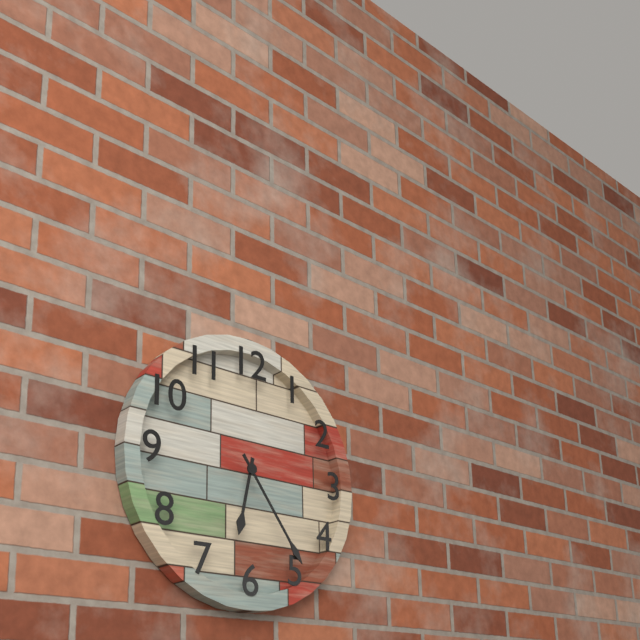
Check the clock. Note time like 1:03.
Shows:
6:24
